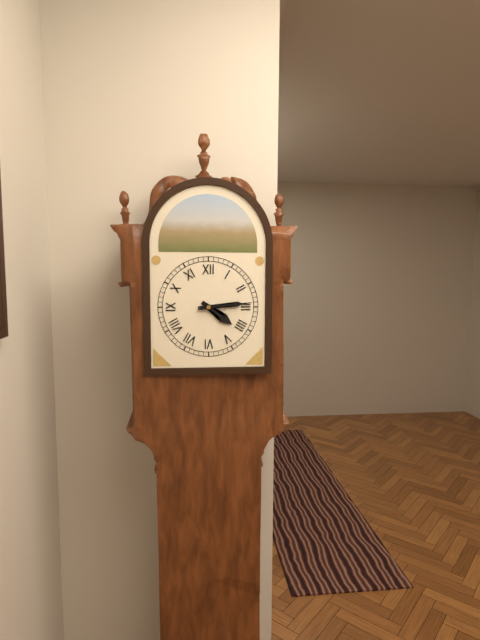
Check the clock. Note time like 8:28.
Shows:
4:14
